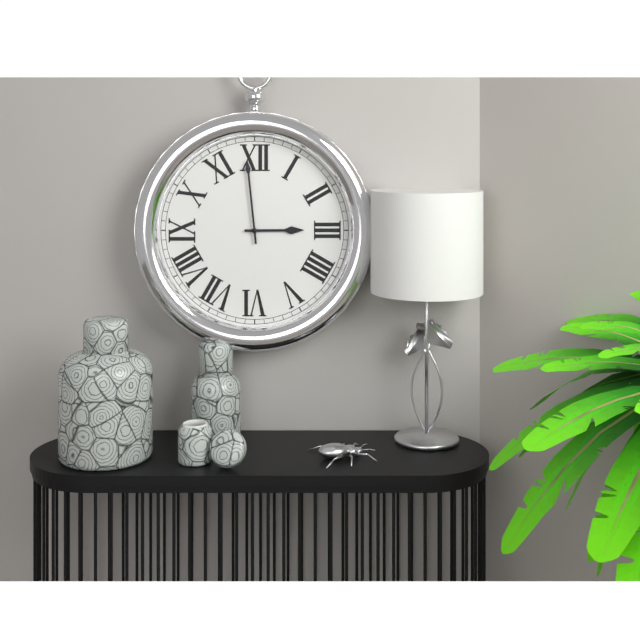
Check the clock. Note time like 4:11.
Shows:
2:59
